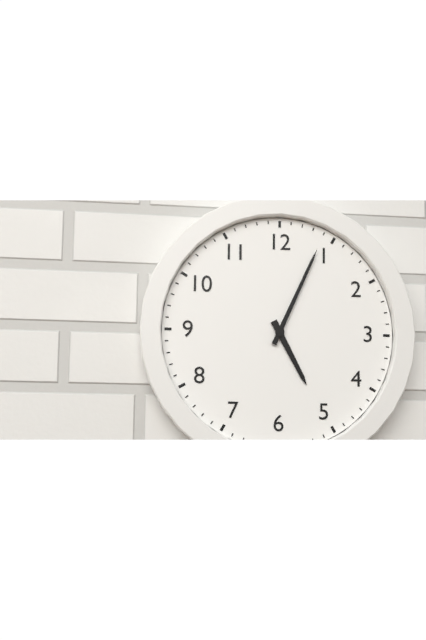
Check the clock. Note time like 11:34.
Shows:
5:04
